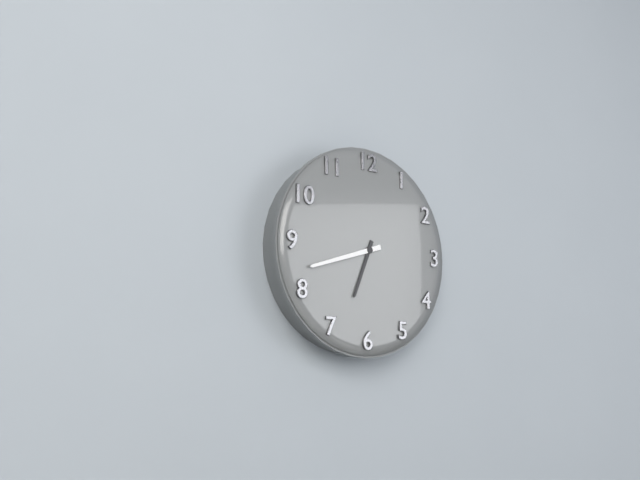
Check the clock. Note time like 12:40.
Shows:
6:42
